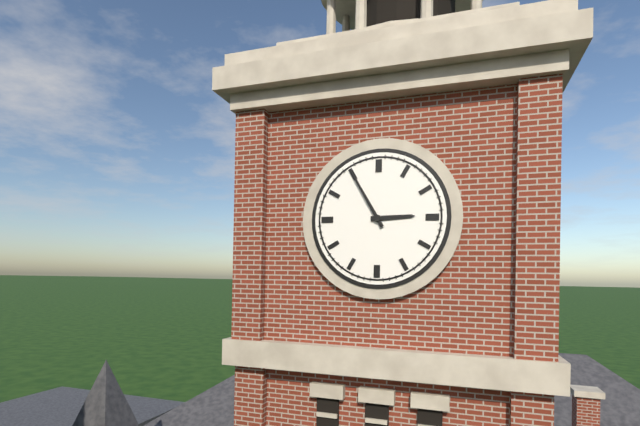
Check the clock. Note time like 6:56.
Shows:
2:55
